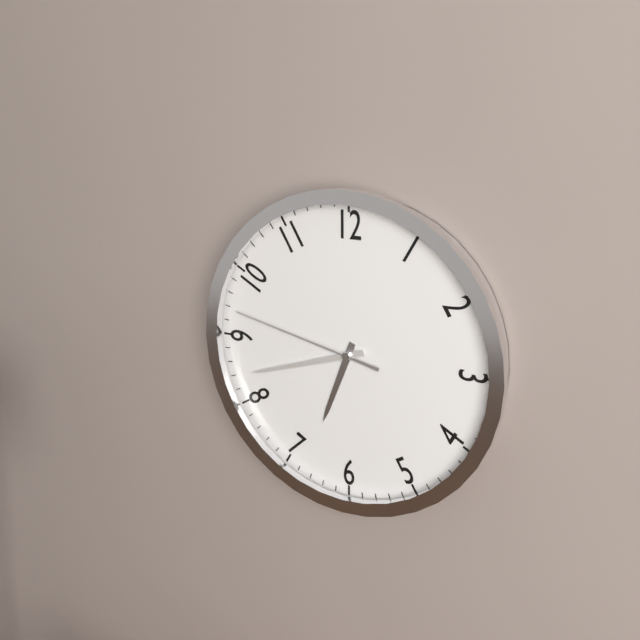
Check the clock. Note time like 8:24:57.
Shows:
6:42:47
